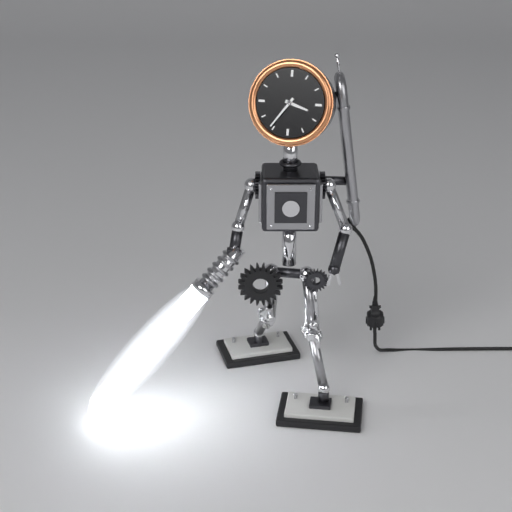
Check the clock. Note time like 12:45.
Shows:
3:36
